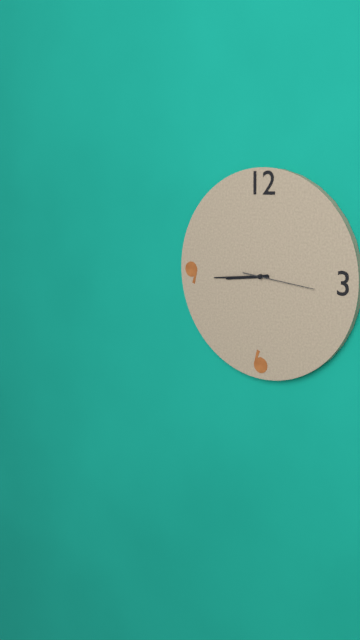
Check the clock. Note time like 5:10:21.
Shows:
8:44:16
